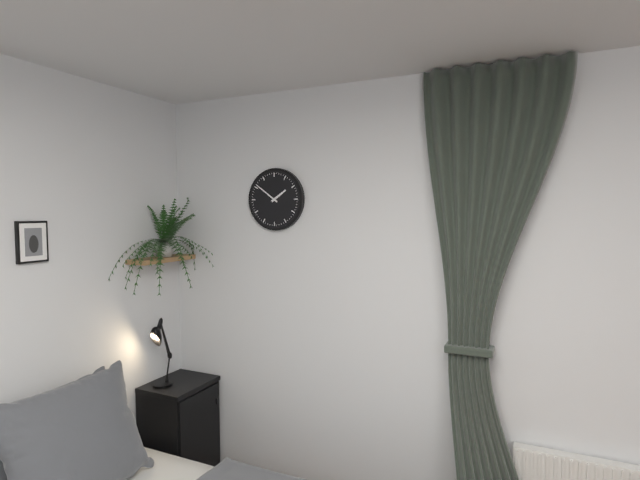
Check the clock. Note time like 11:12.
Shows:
1:51
